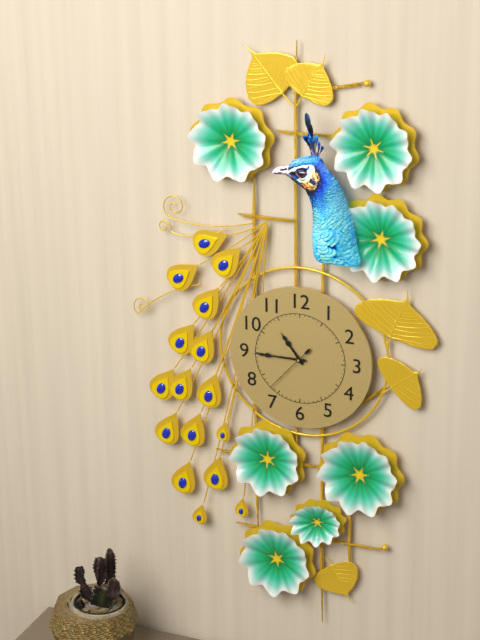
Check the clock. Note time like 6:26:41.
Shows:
10:45:37
